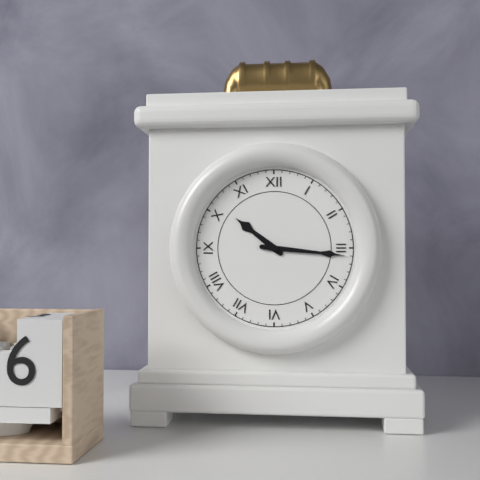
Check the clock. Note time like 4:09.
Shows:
10:16
